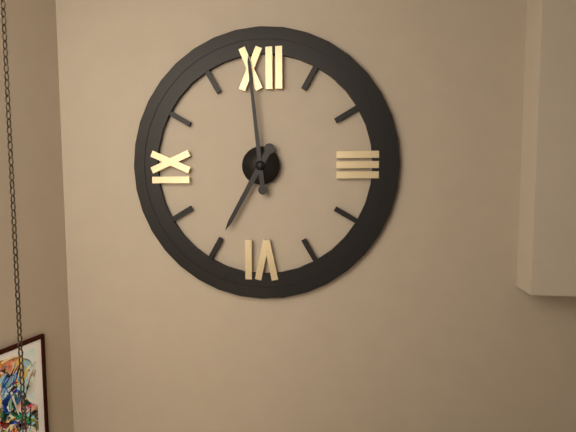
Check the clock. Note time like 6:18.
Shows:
6:59
